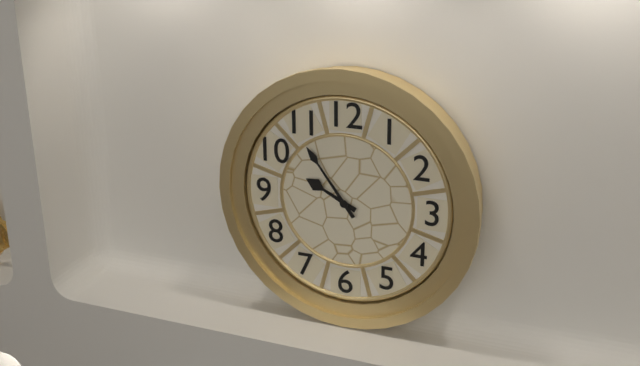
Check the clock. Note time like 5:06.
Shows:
9:54
